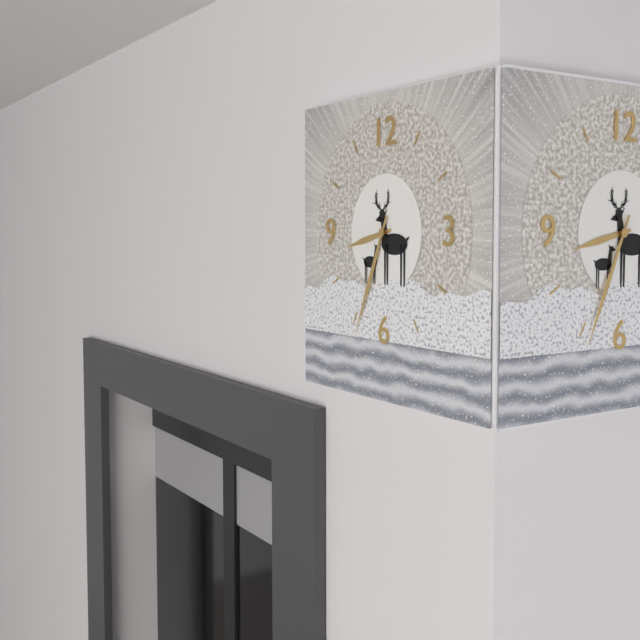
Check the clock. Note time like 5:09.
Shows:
8:34
